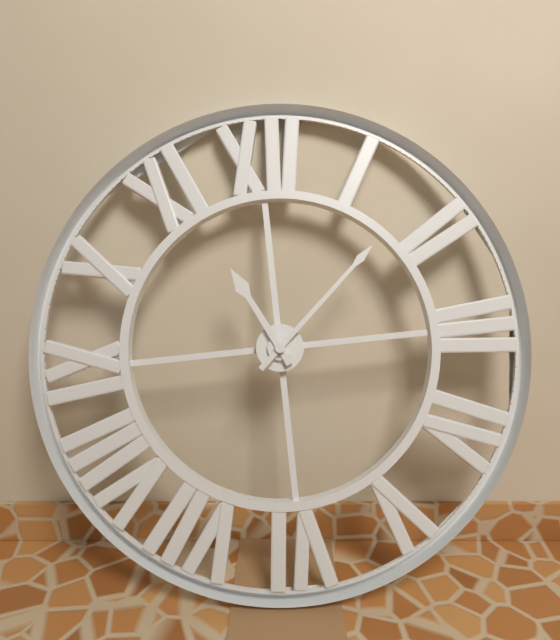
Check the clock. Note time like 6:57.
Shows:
11:08
